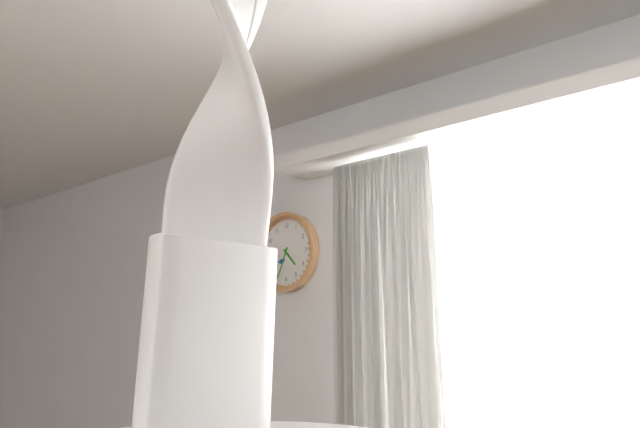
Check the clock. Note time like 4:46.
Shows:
4:34
